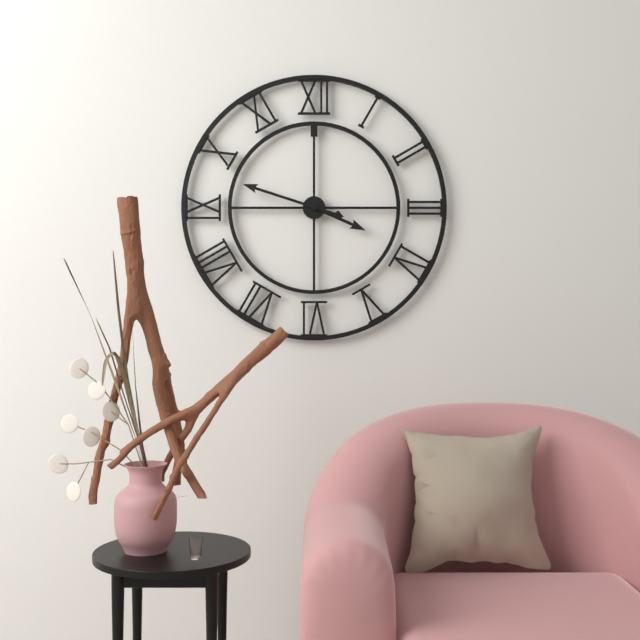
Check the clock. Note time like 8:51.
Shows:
3:48
